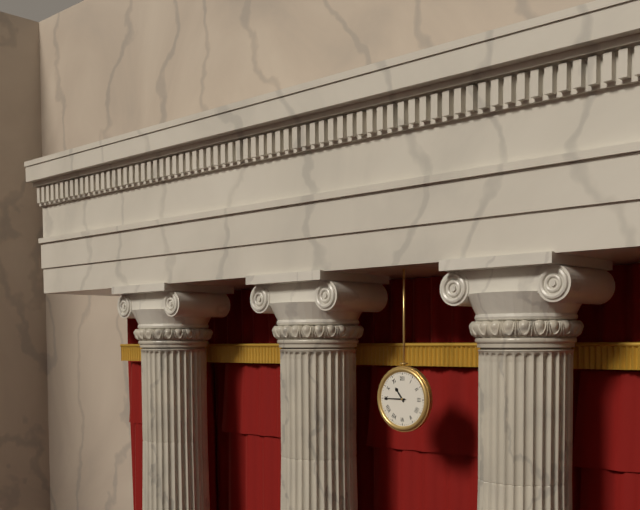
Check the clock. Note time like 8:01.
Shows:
10:45
